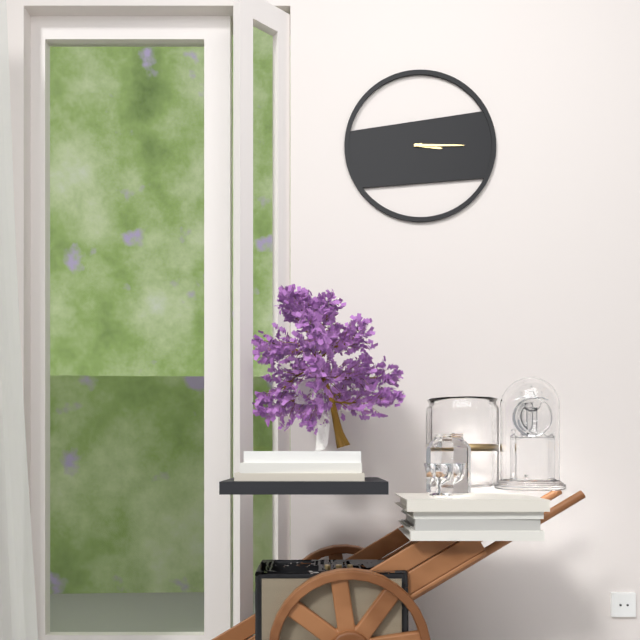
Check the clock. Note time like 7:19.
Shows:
3:15
